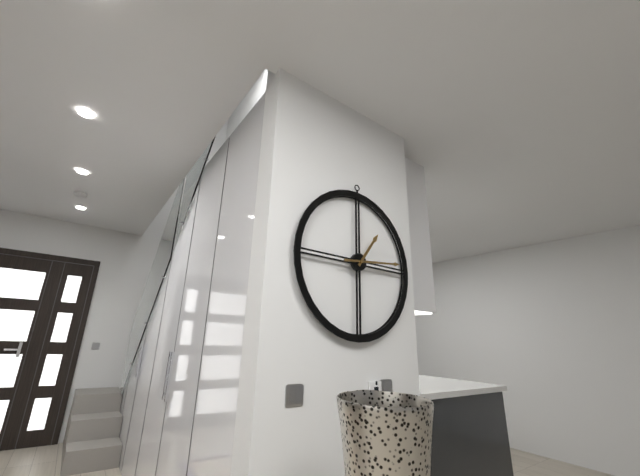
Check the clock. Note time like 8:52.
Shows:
1:14
